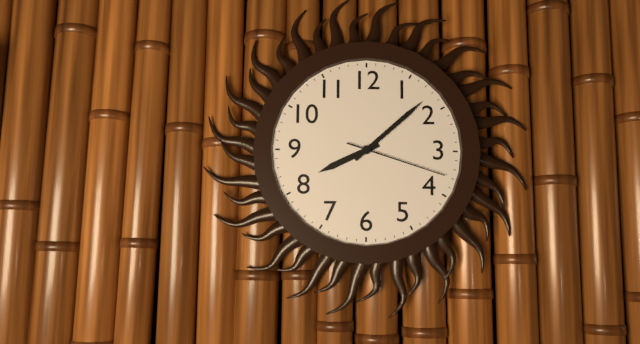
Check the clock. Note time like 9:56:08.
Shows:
8:08:18
